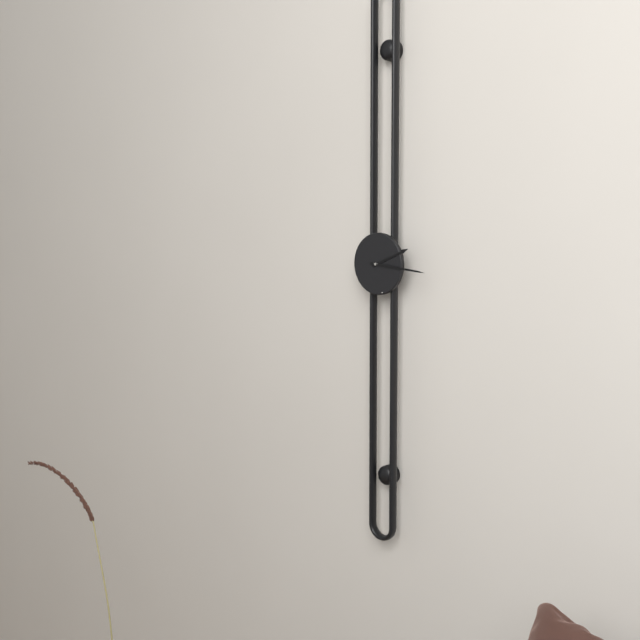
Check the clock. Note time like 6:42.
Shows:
2:16
